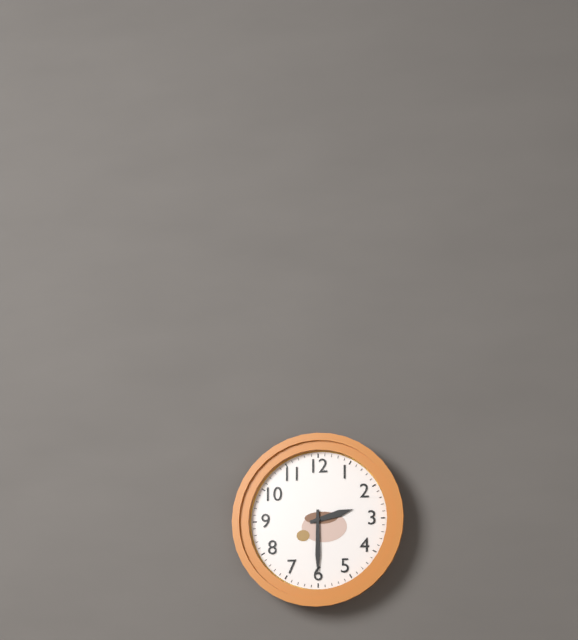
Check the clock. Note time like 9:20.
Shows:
2:30
